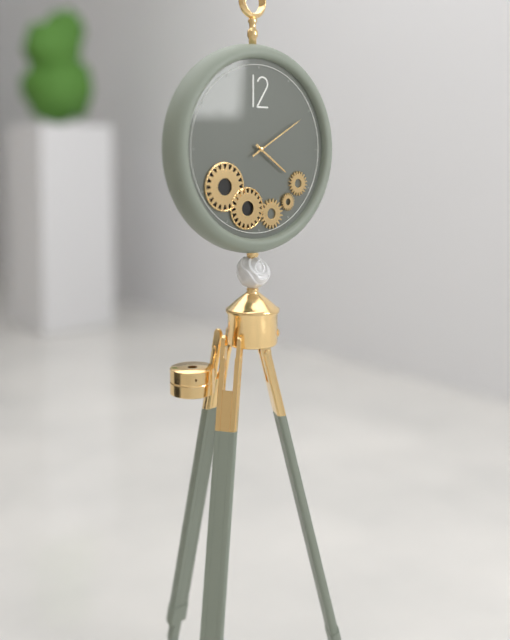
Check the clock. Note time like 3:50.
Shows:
4:10
